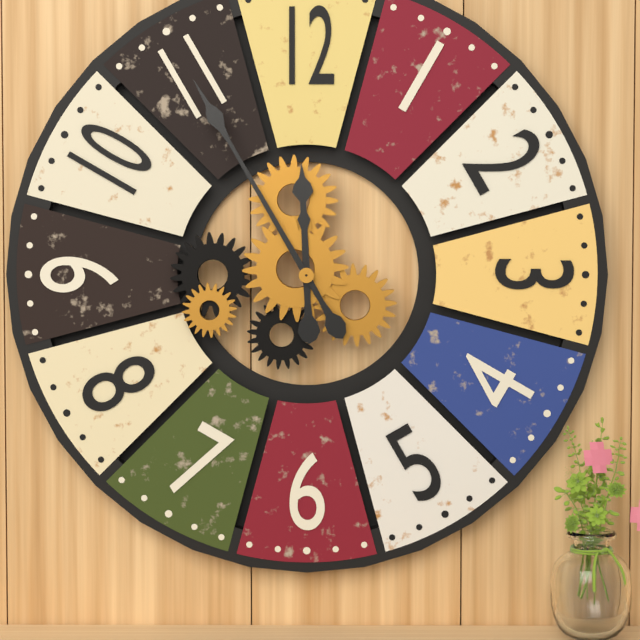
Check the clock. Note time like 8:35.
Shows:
11:55
